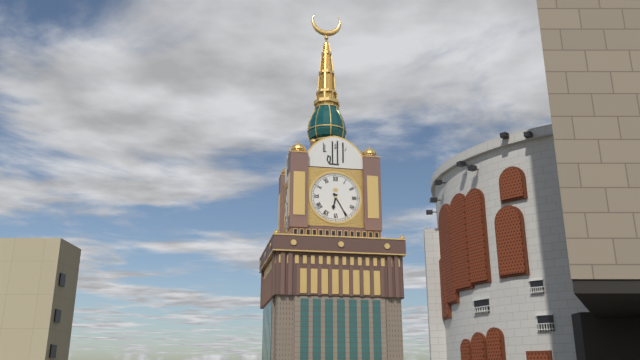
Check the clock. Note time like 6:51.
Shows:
6:25
